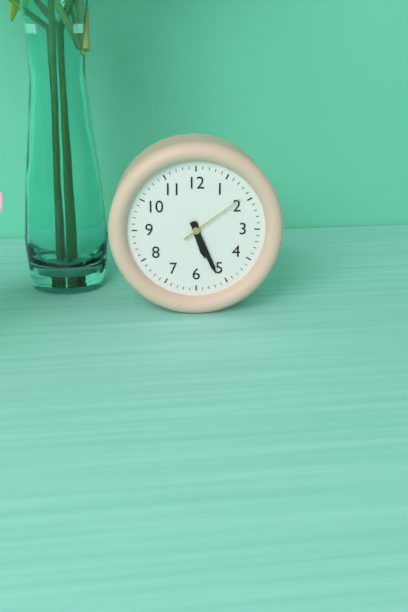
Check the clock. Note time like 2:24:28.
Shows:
5:26:09
